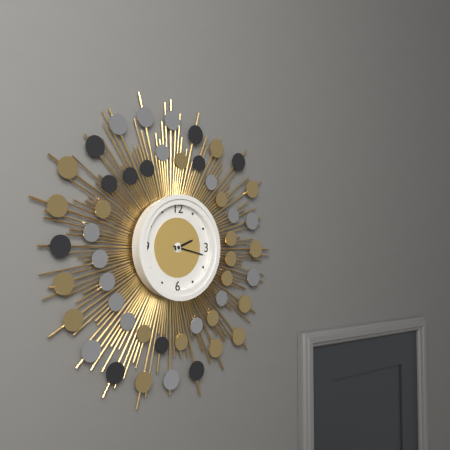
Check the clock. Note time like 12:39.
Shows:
2:17
